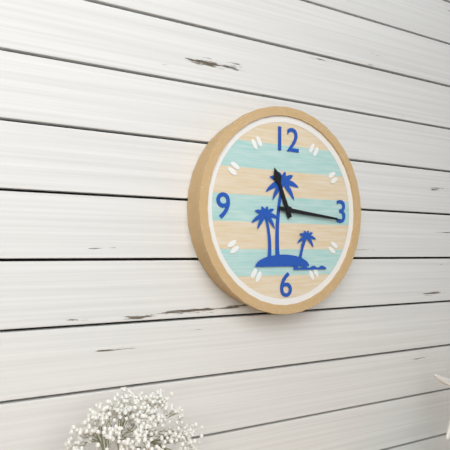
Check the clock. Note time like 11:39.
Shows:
11:16
